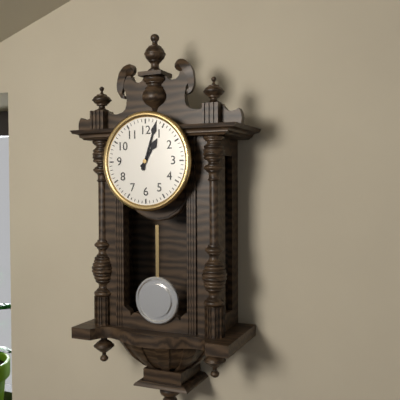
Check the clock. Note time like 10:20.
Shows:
1:03
